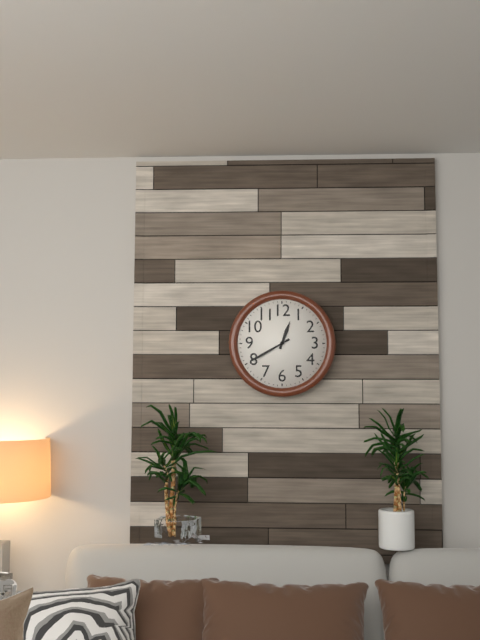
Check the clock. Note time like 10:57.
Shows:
12:40
